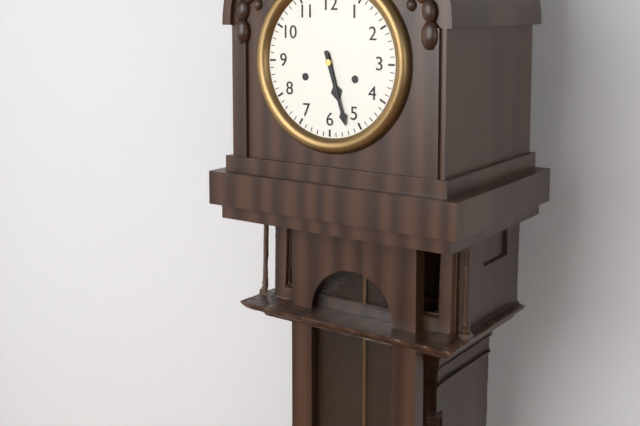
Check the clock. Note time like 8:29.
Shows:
5:27
